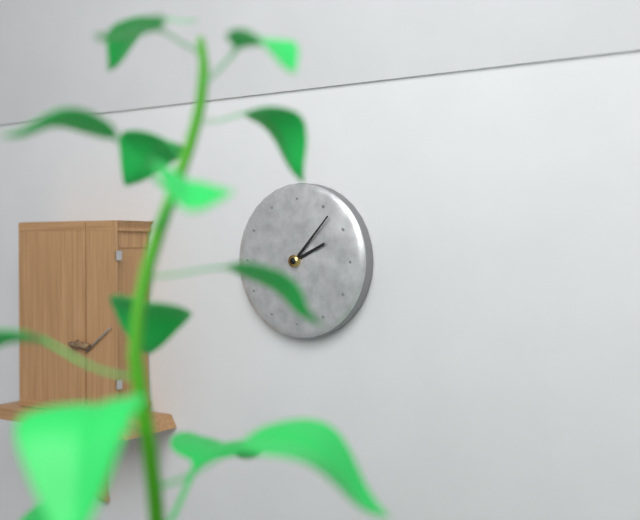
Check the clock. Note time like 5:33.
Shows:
2:07
